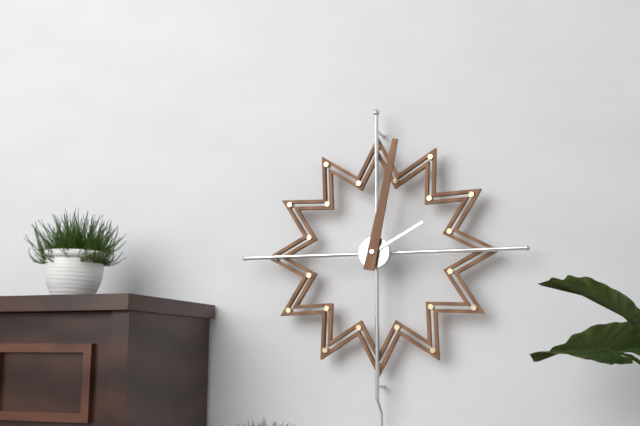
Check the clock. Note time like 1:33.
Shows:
2:02
